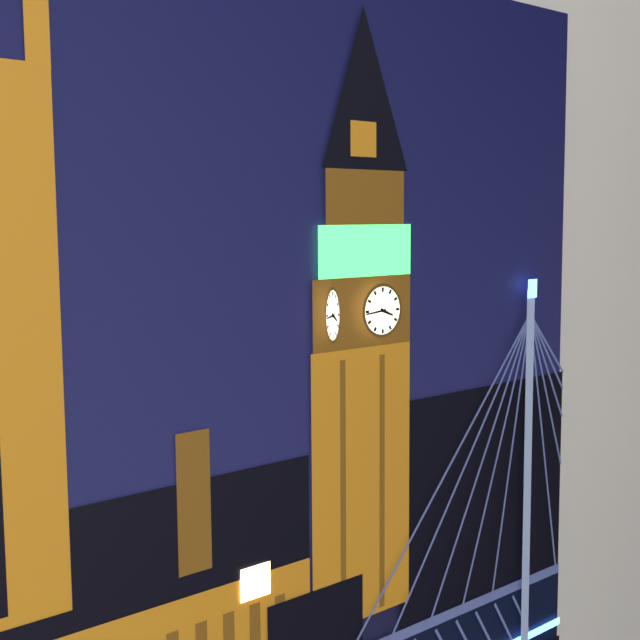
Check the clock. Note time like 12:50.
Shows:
3:44
